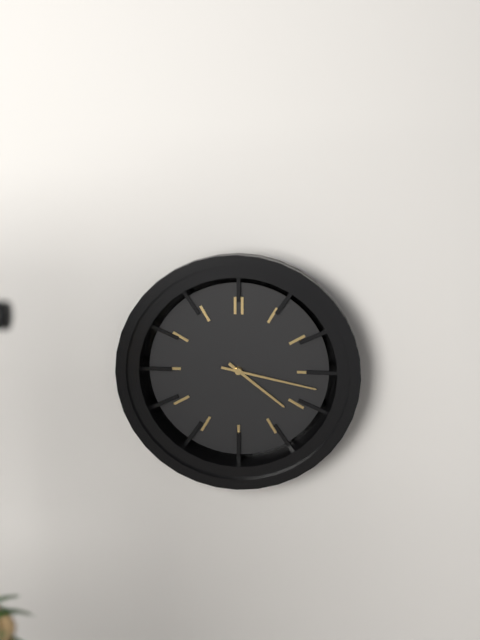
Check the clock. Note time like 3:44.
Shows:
4:17
